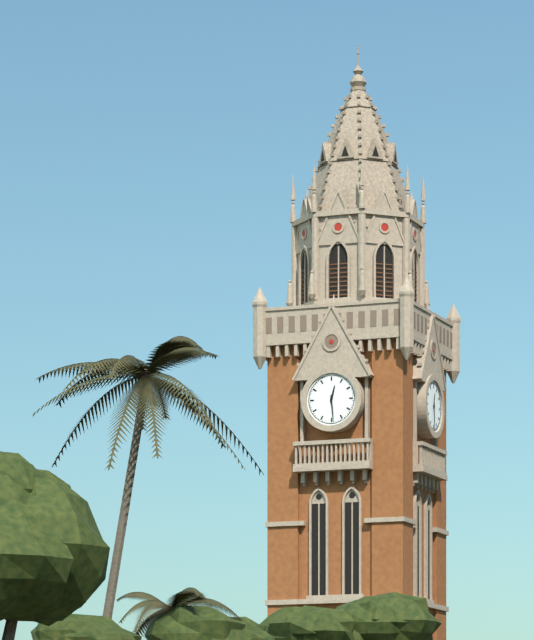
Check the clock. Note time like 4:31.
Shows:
12:29
